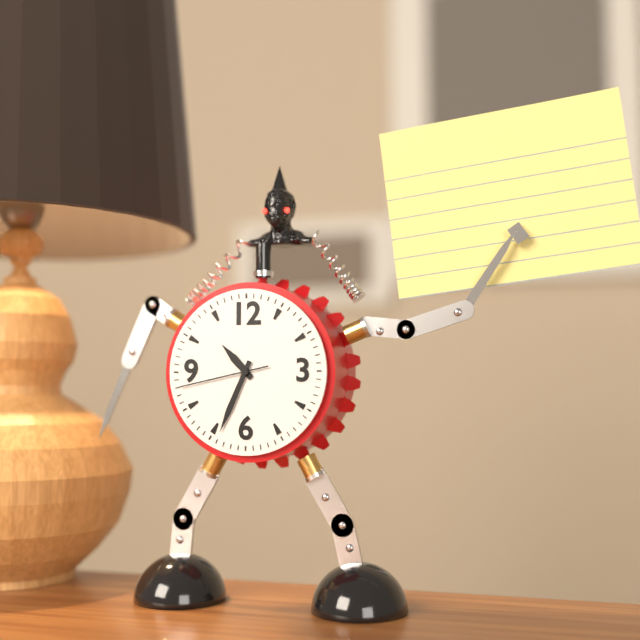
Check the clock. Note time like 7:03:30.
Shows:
10:34:43
